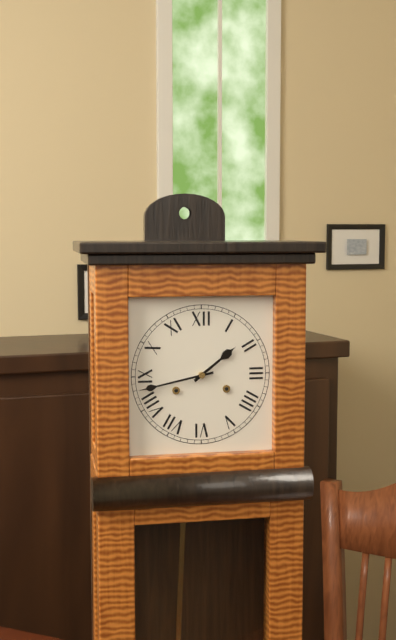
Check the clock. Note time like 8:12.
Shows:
1:43
